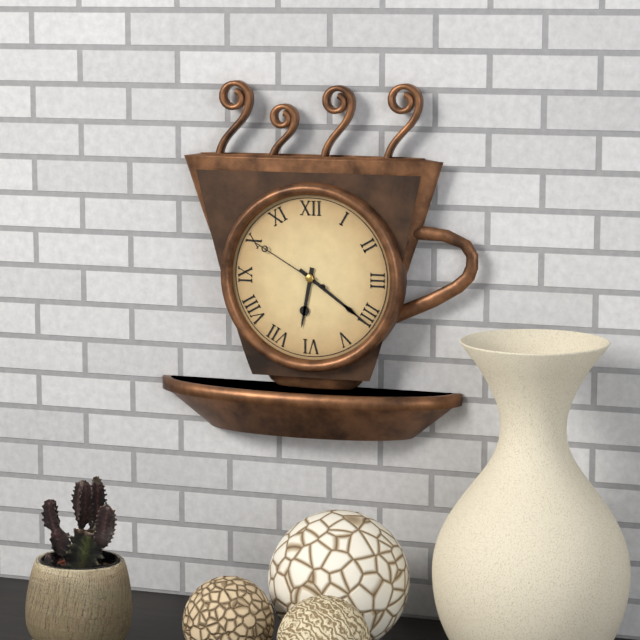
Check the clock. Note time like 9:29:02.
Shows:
6:21:50
